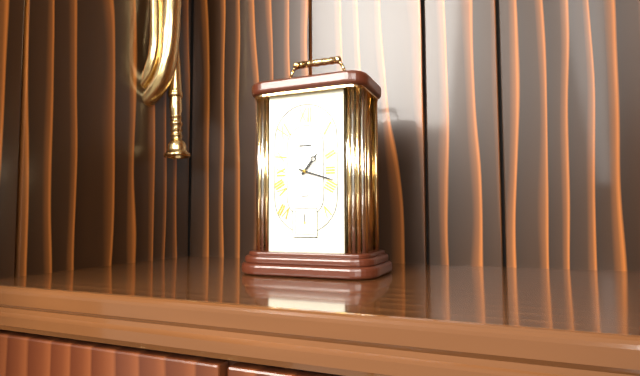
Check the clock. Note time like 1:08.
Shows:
1:18
